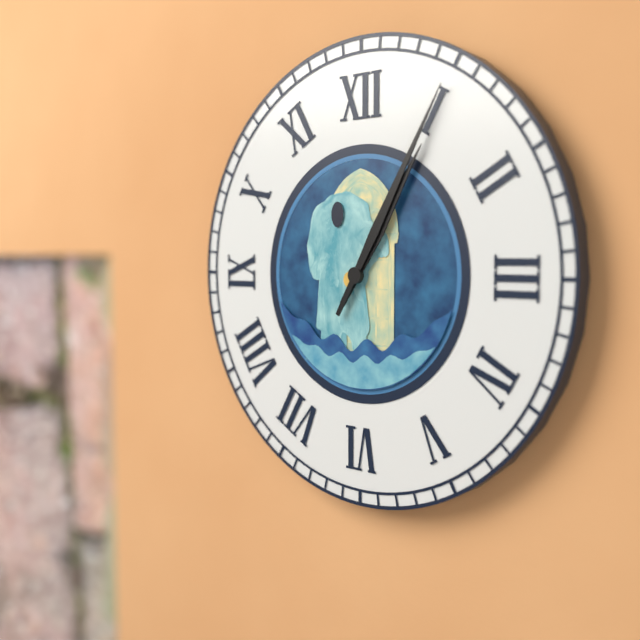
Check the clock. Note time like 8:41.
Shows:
1:05
